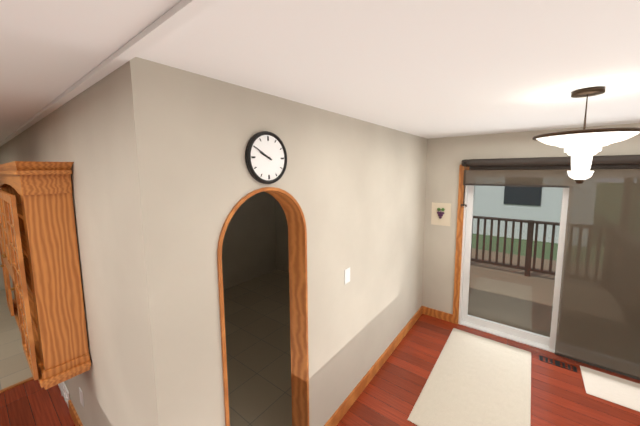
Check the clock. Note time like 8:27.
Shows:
9:50
